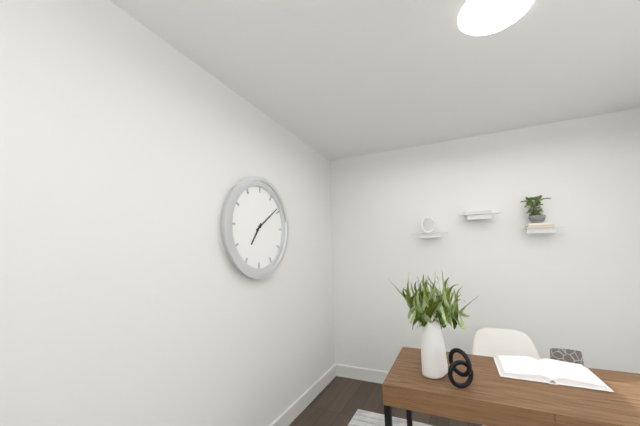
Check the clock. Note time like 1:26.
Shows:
7:09
